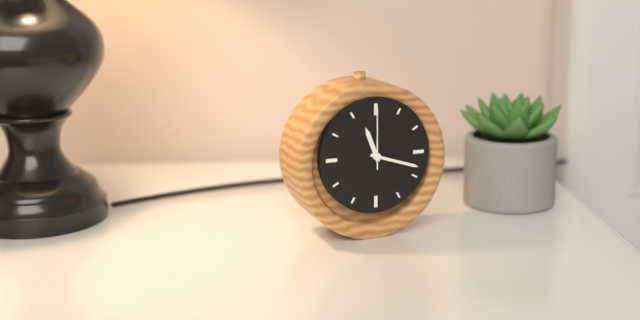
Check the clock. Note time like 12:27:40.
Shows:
11:18:00
